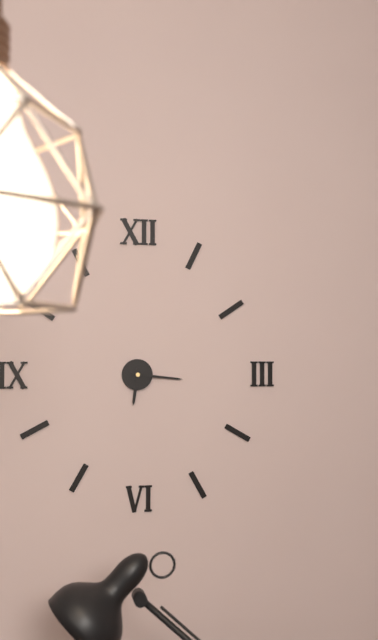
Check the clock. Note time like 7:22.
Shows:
6:16
